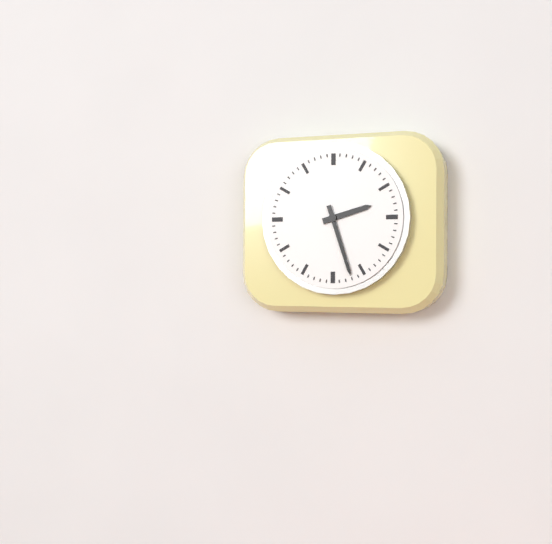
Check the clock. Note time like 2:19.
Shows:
2:27
